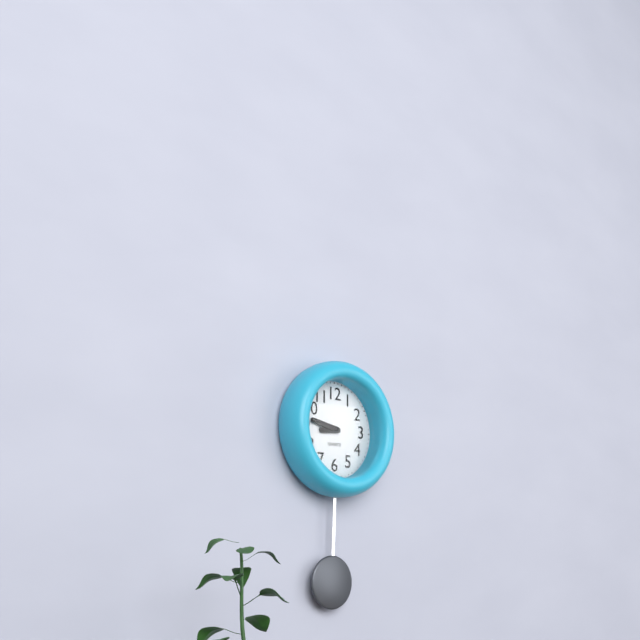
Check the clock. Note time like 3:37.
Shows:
8:47
